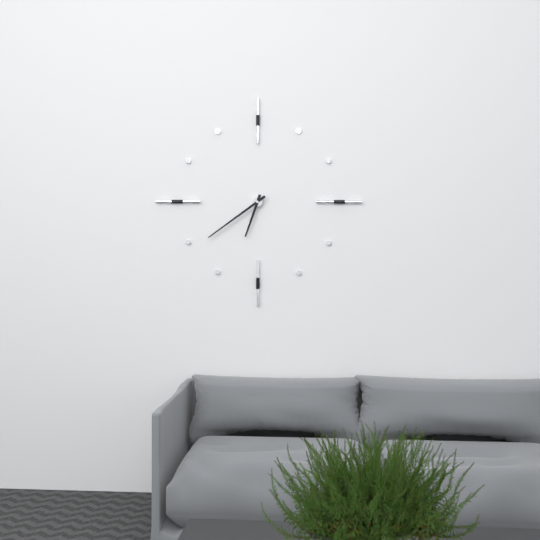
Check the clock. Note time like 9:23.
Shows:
6:39
